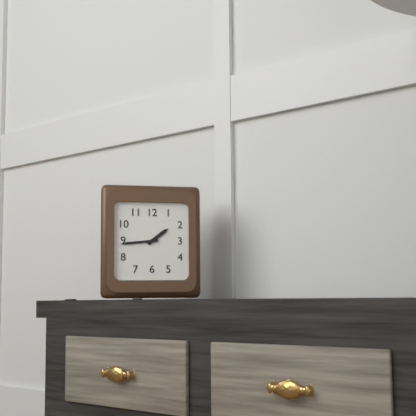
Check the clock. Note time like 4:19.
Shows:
1:44
